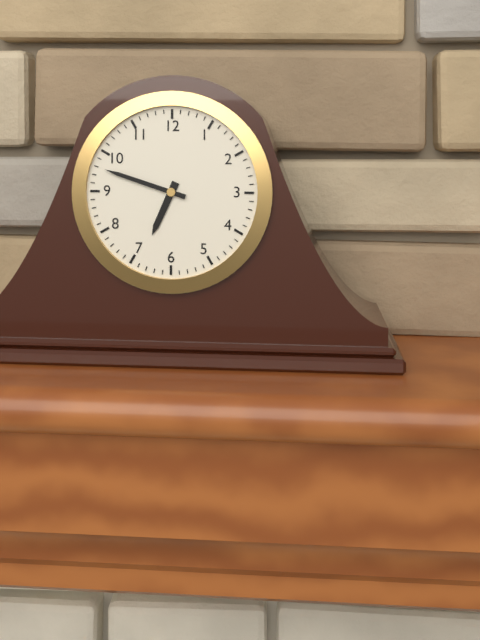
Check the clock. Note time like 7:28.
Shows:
6:48
